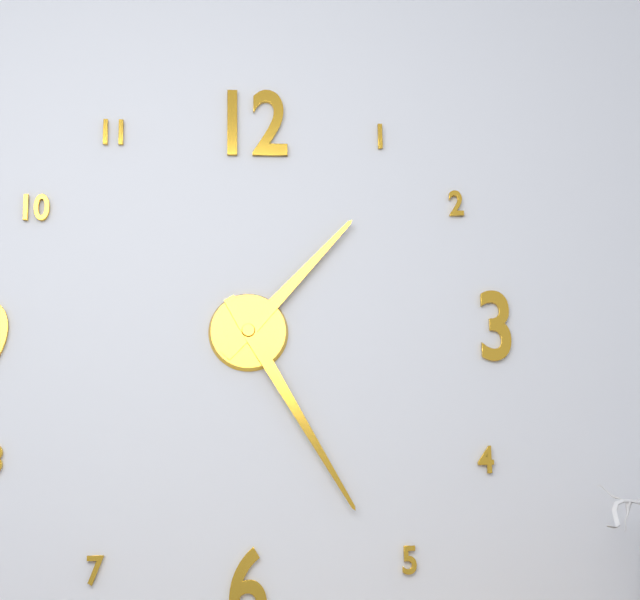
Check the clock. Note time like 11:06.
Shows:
1:25
